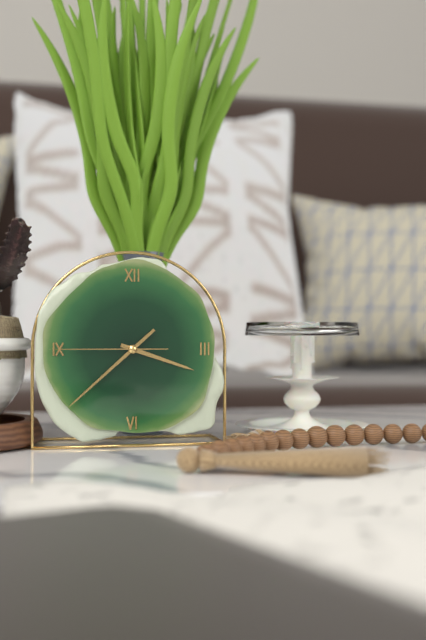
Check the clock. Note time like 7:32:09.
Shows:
3:38:45
